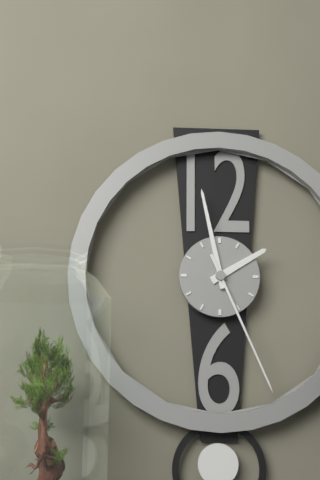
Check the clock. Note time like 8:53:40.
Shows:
1:58:26
